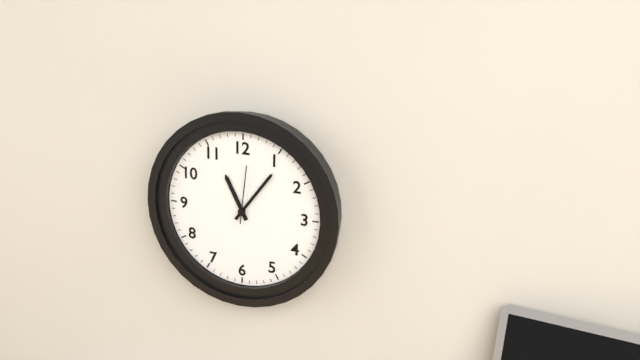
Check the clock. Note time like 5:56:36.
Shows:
11:06:01
